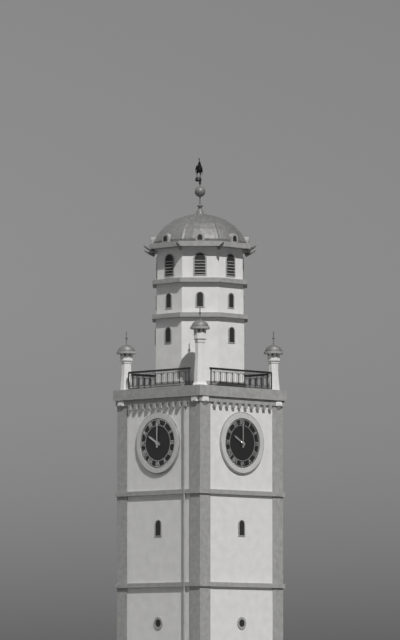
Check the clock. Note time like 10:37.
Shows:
10:00
